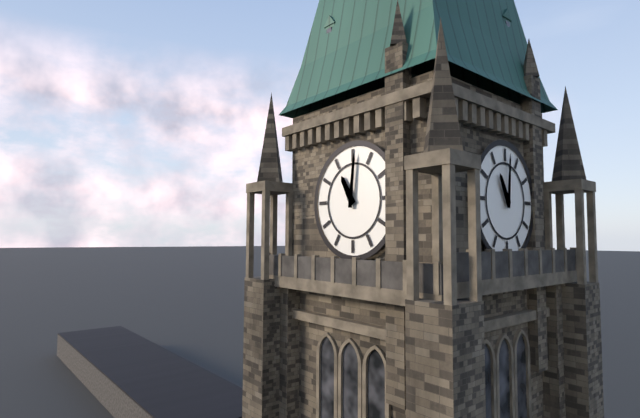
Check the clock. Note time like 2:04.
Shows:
11:01
